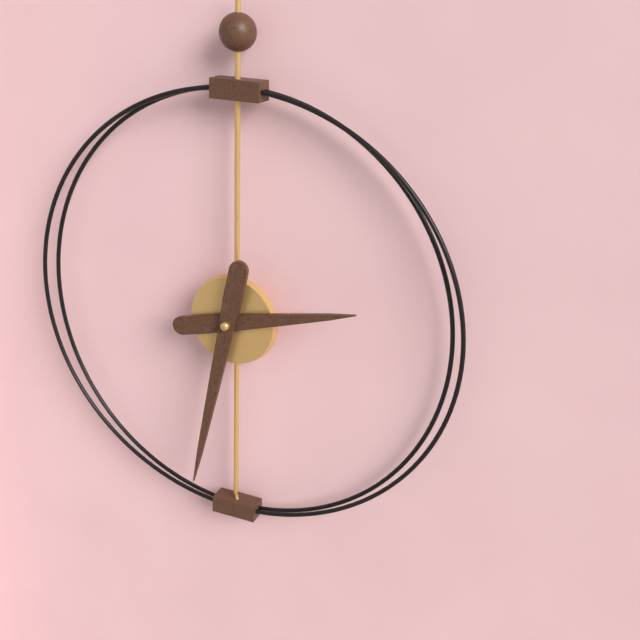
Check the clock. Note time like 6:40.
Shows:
2:32
